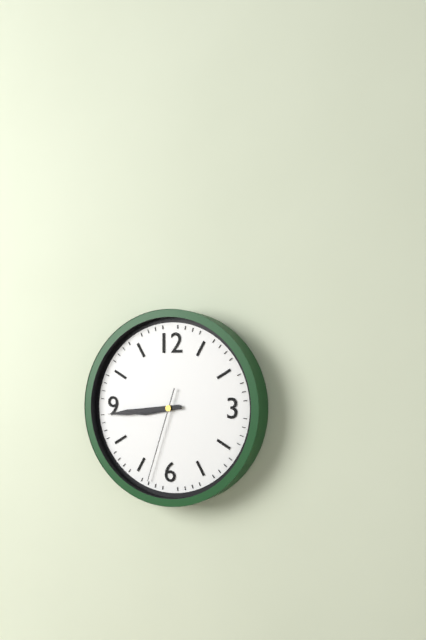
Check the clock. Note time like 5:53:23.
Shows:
8:44:33
